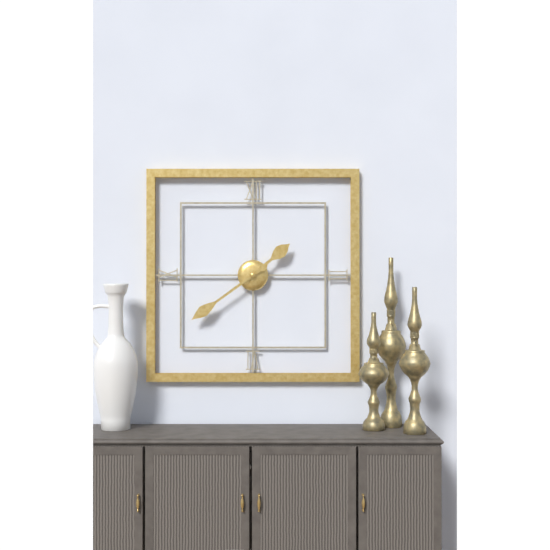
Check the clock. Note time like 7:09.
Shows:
1:39
